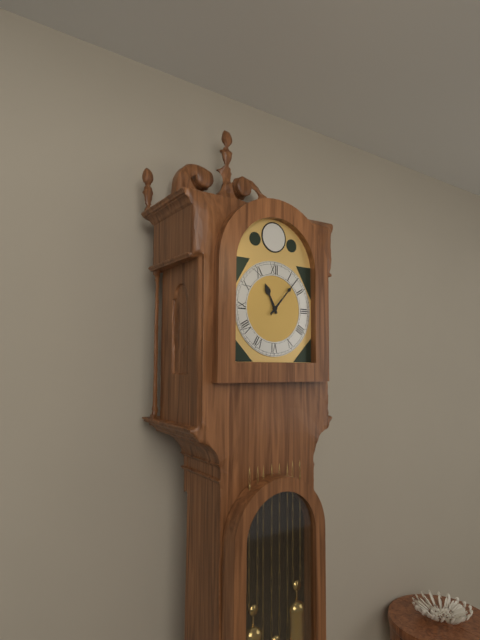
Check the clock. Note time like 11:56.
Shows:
11:07
